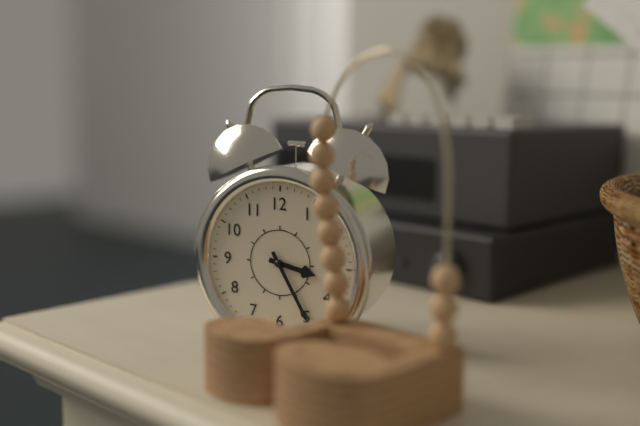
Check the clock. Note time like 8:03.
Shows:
3:25
